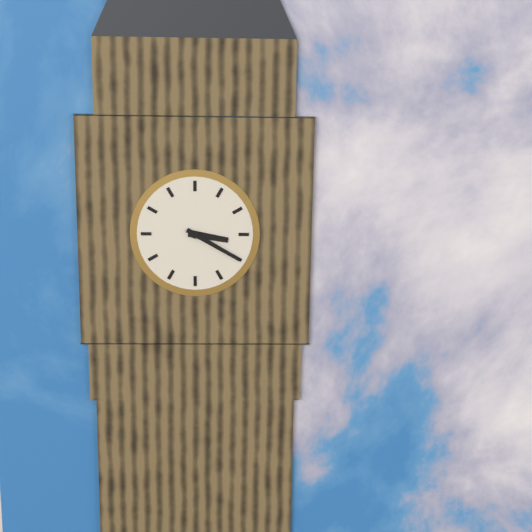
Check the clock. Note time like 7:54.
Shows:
3:20
